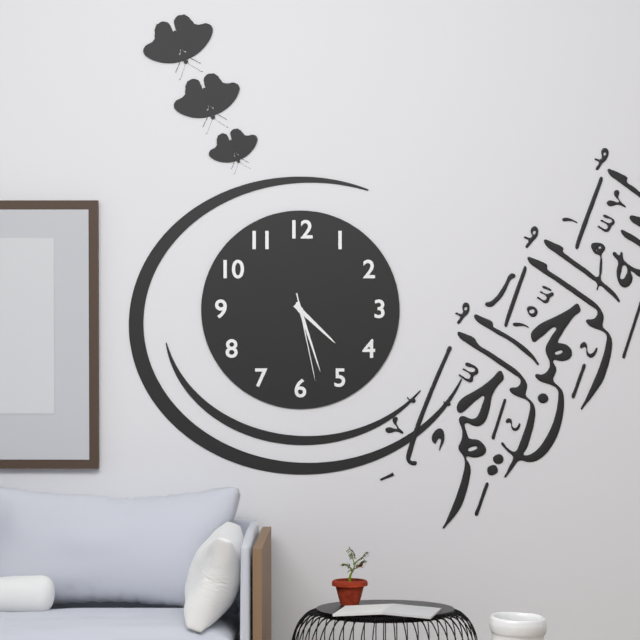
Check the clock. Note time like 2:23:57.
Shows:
4:27:28
